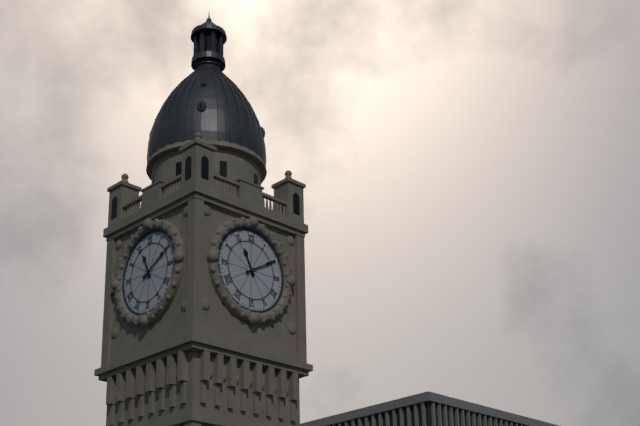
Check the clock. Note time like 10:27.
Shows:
11:10
